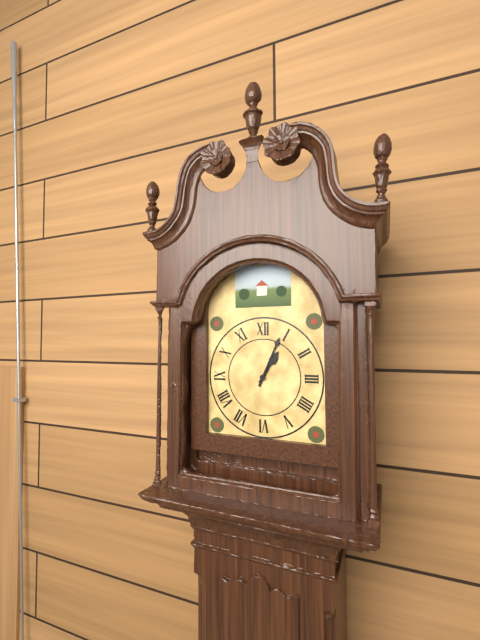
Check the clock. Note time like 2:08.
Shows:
1:04
